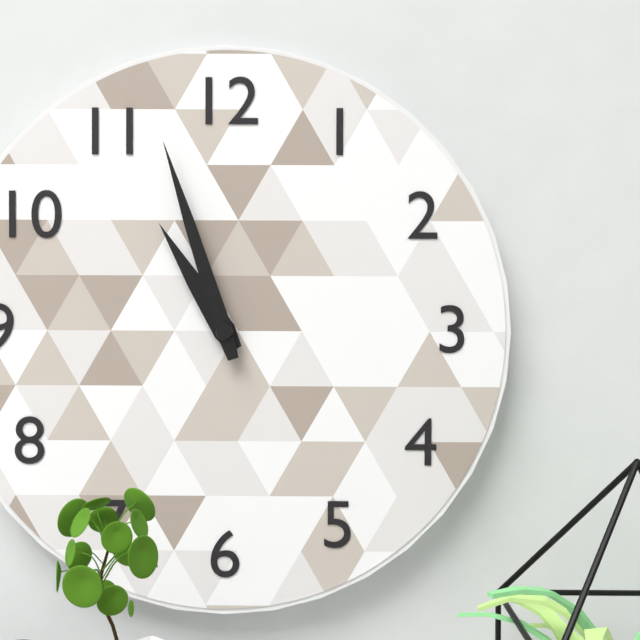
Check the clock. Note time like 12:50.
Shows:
10:57
